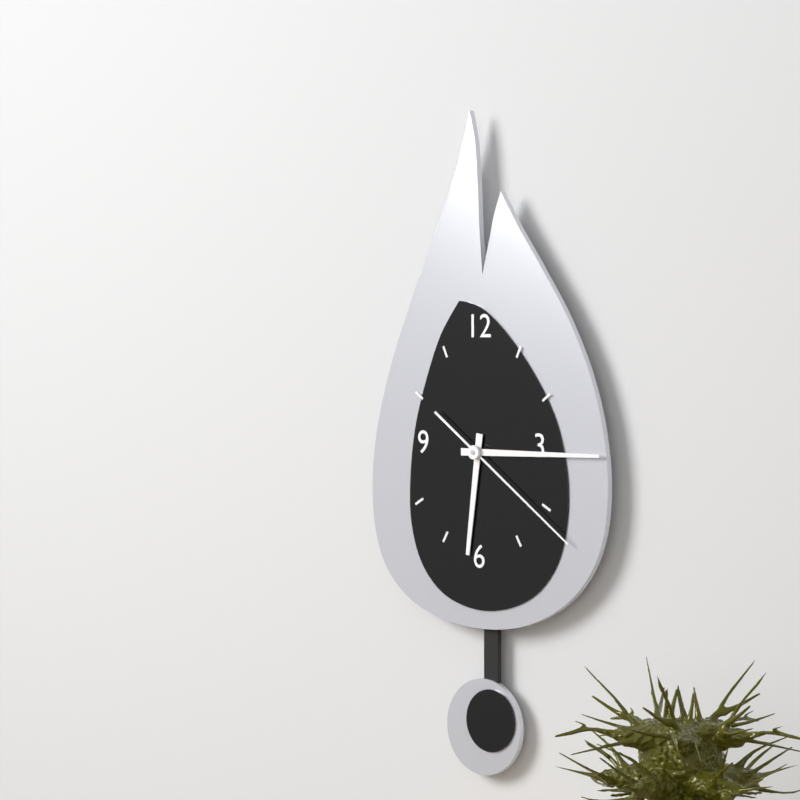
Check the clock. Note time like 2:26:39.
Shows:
6:15:21
